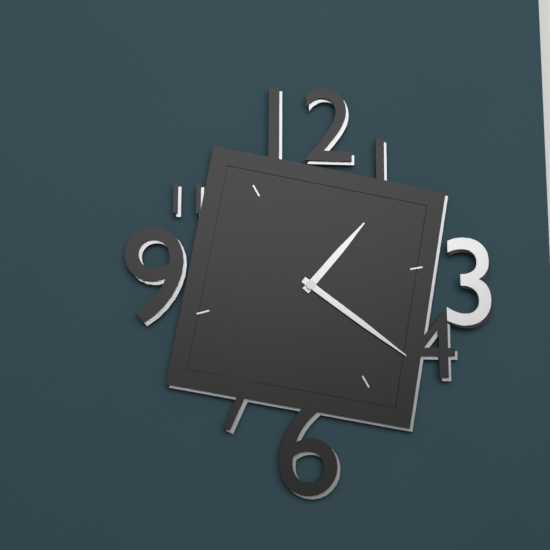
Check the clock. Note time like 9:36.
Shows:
1:21
